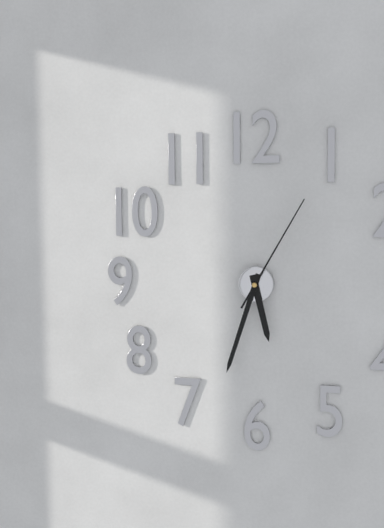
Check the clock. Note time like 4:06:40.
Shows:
5:33:05
